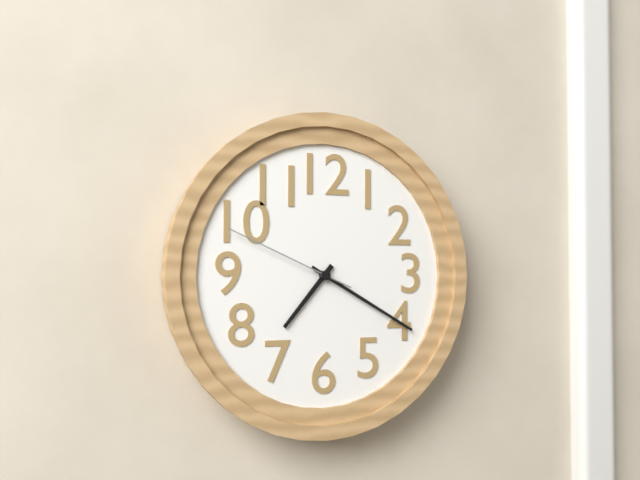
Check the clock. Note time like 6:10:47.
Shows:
7:20:49
